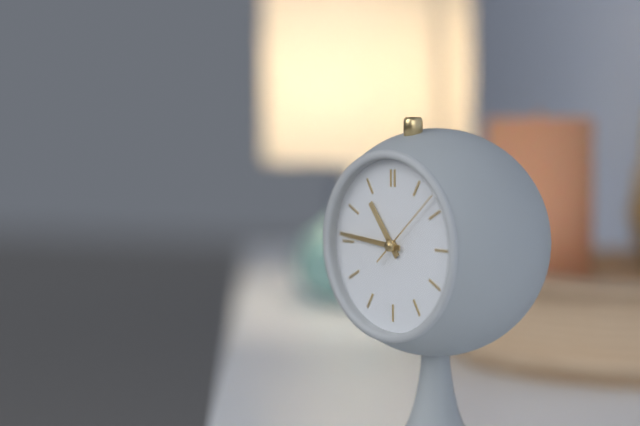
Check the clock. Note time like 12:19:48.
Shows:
10:46:08
